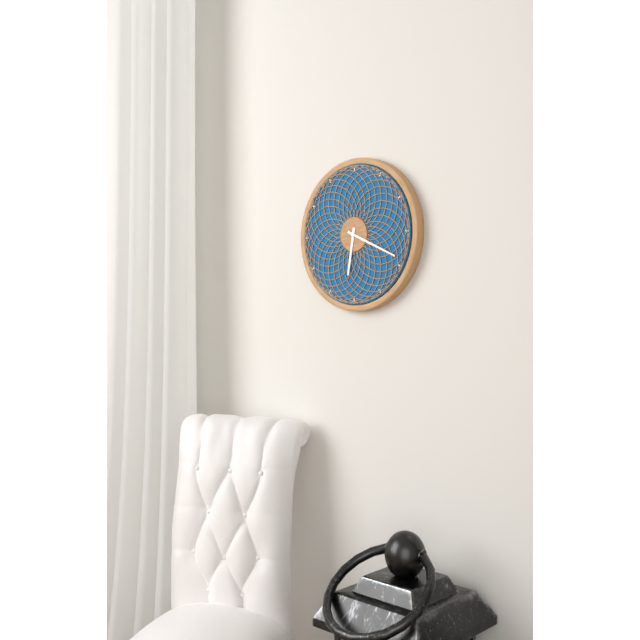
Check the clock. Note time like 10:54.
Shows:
6:19
